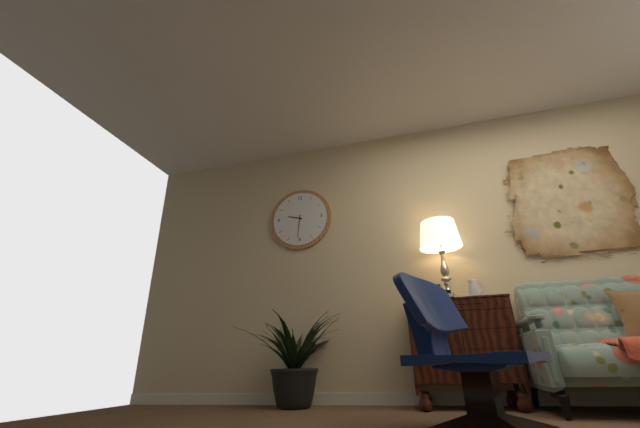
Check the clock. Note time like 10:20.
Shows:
9:31
